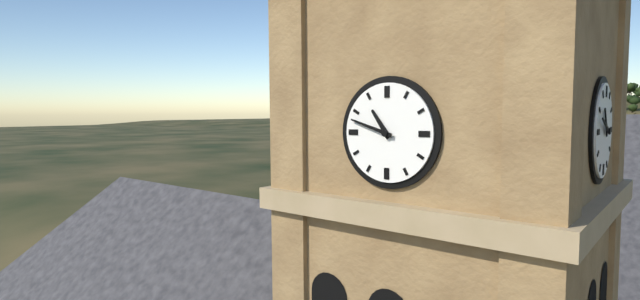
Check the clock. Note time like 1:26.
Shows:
10:48
